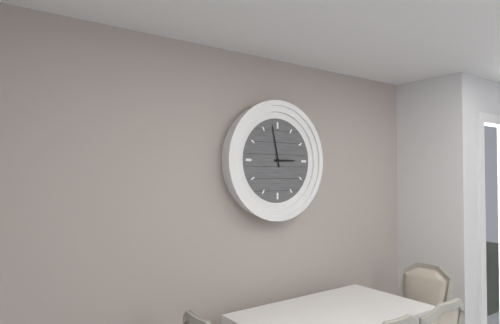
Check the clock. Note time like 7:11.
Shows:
2:58
